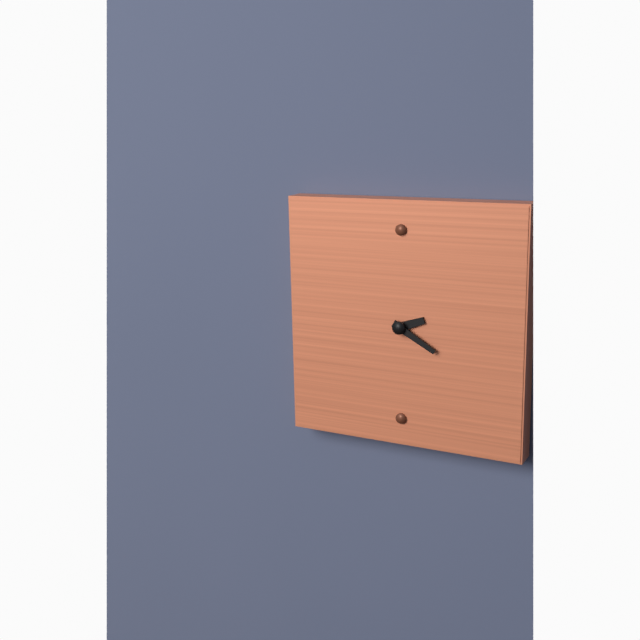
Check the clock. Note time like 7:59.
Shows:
2:20
